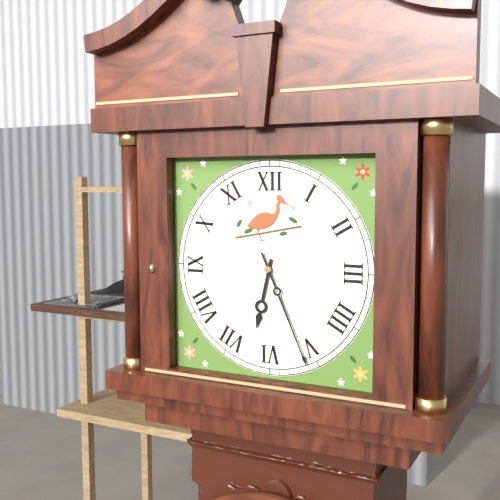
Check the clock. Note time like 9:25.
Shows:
6:26
